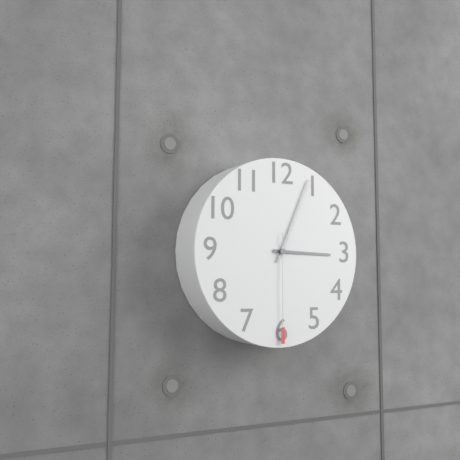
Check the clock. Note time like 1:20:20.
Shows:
3:04:30
